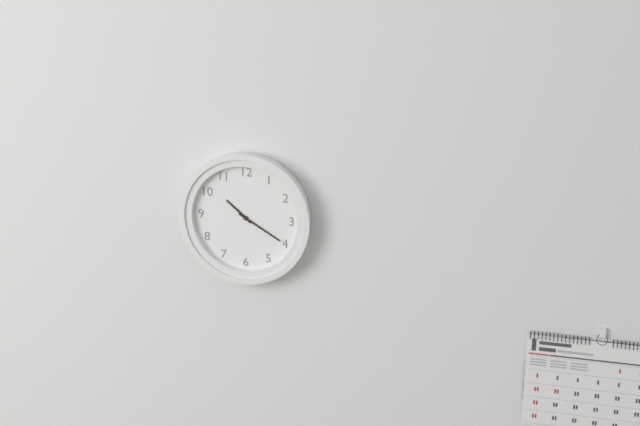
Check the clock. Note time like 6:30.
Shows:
10:20
